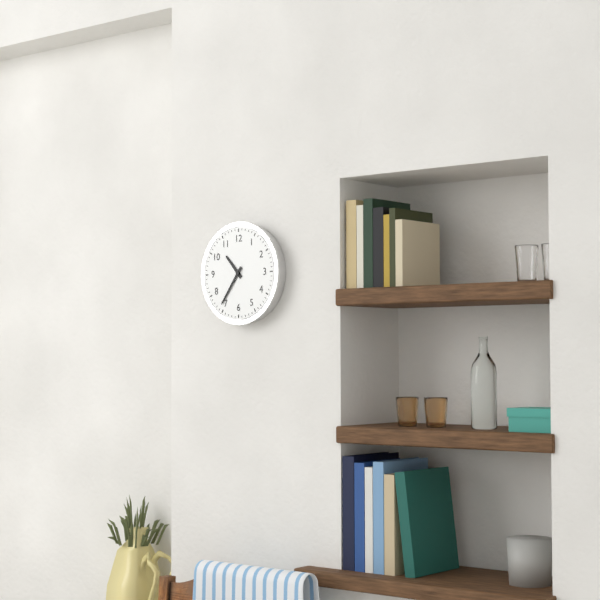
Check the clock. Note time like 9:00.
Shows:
10:36
